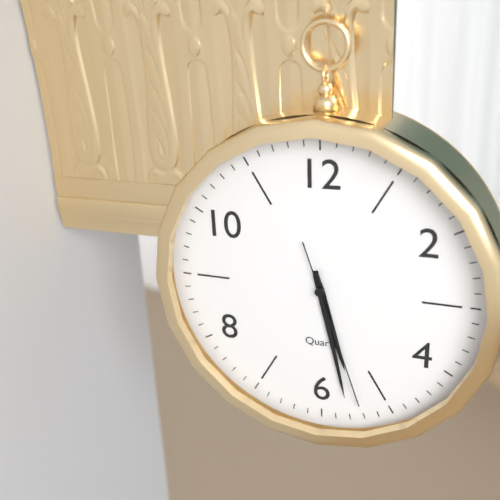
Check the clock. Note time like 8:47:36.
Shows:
5:28:27
